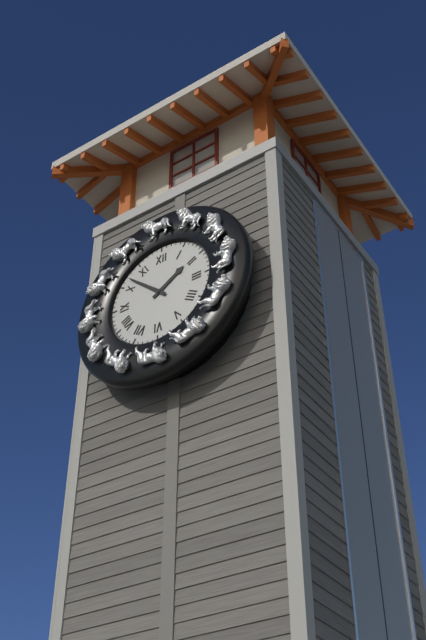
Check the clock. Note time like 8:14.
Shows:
1:52
